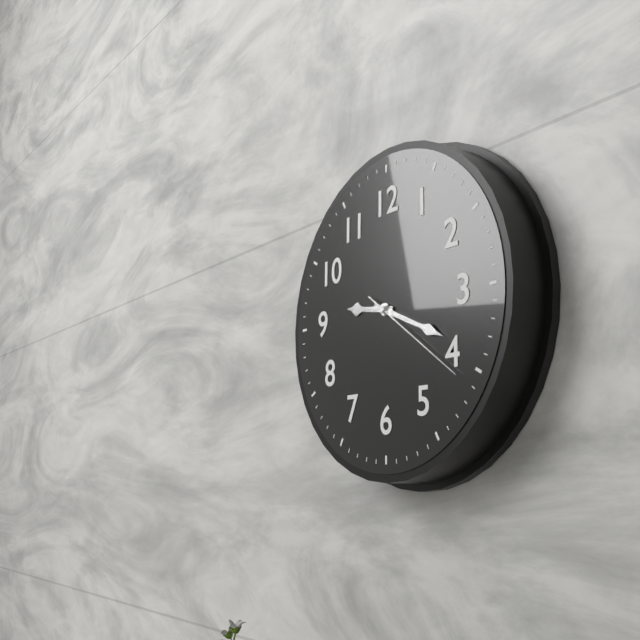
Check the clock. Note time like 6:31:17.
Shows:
9:19:21
